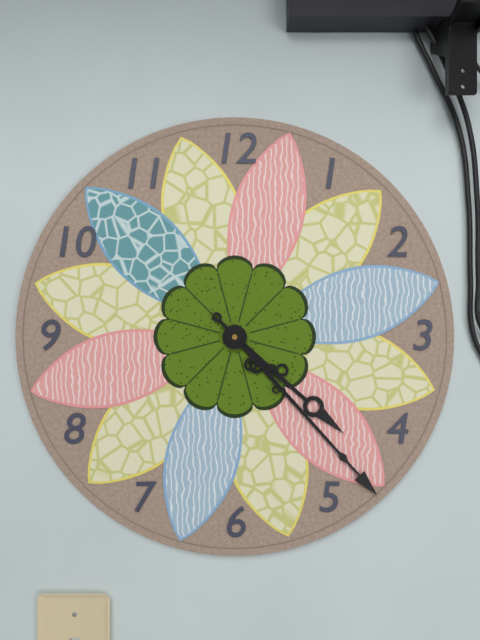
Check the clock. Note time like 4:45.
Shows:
4:23
